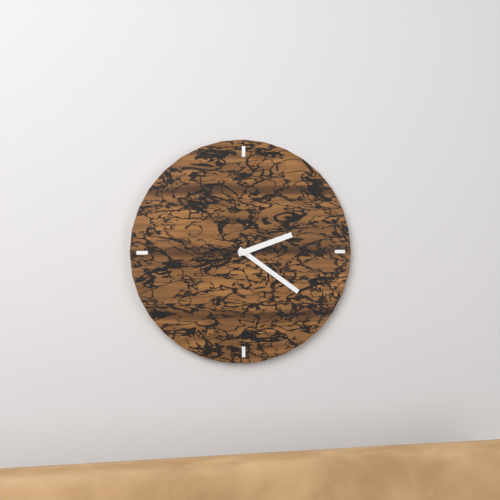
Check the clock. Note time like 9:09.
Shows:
2:21
